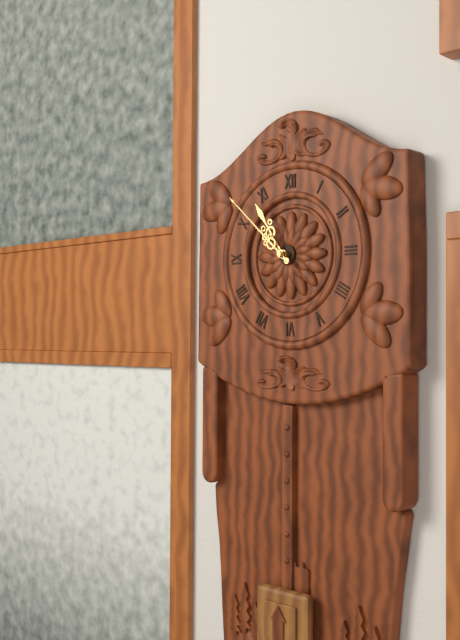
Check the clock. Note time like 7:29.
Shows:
10:52
